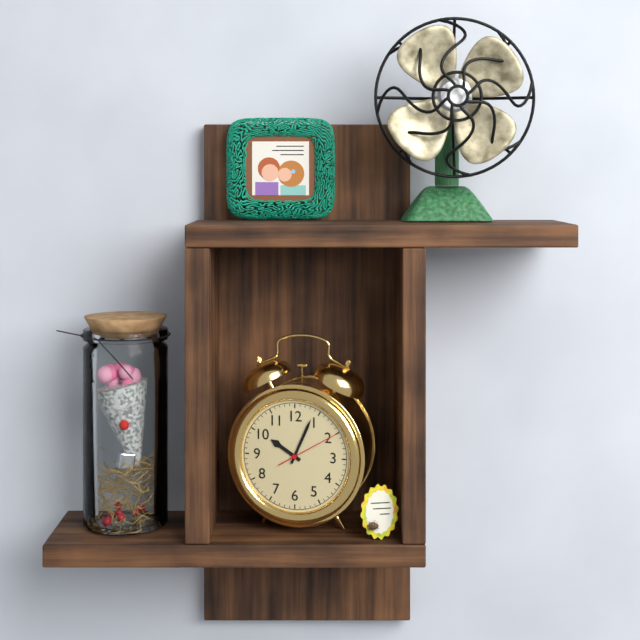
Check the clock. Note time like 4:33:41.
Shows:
10:04:10
